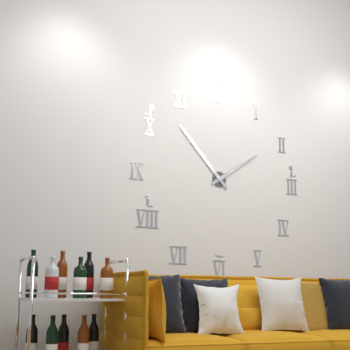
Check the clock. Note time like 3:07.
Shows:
1:53
